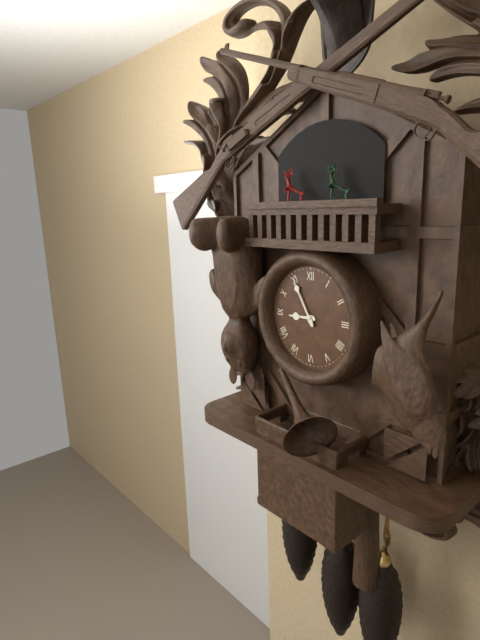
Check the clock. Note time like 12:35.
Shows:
8:55
